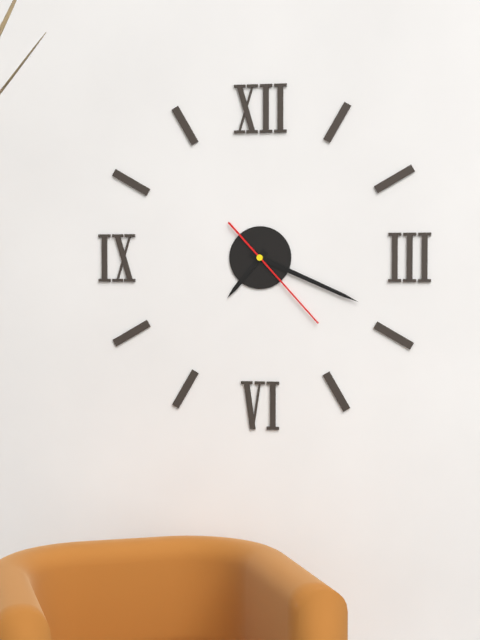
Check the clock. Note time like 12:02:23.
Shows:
7:19:23
